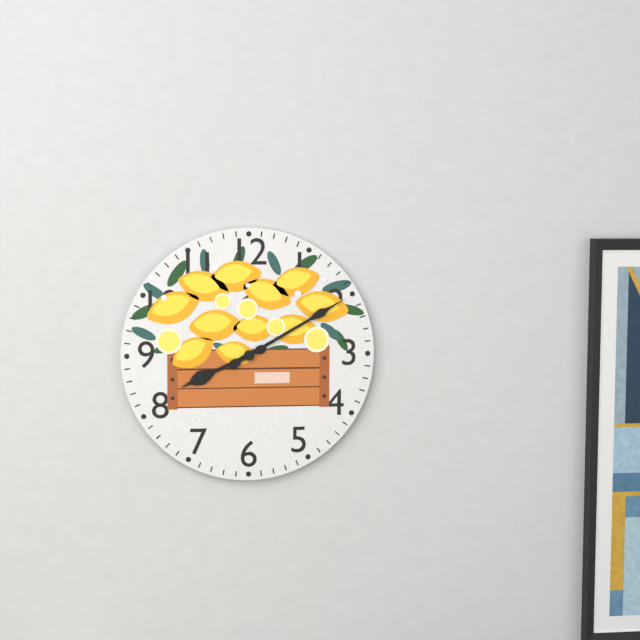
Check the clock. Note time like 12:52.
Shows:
8:10
